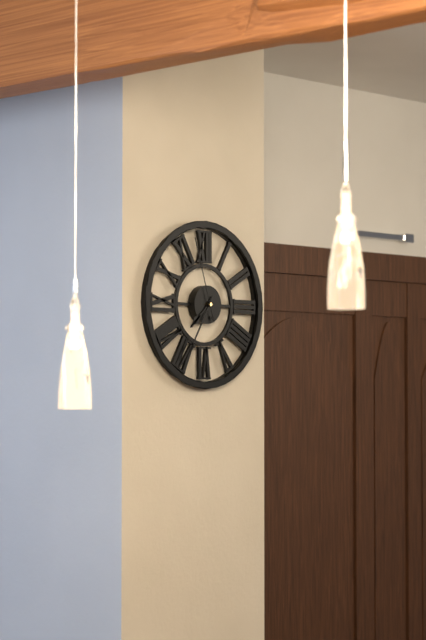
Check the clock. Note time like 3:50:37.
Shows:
7:35:57
